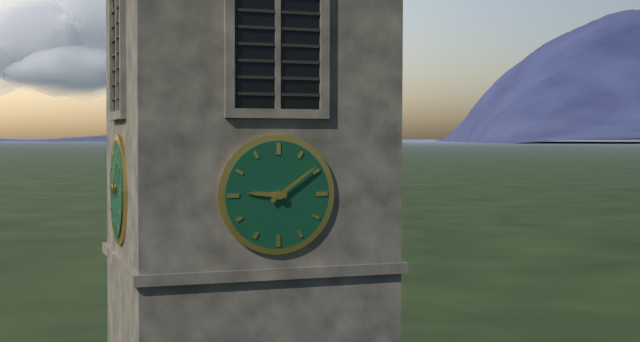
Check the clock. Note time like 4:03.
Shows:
9:09
